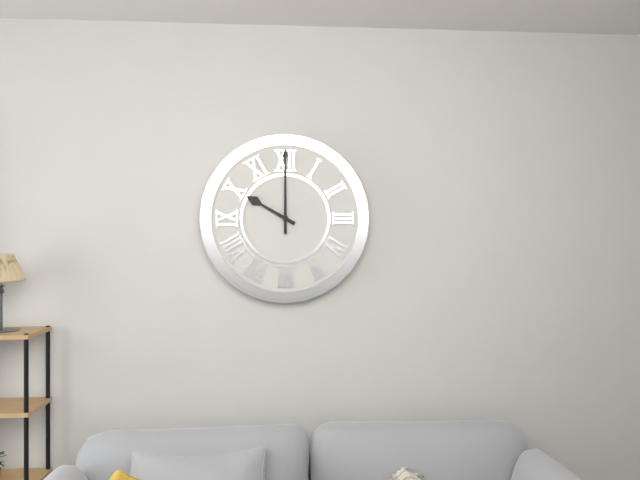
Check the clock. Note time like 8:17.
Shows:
10:00
